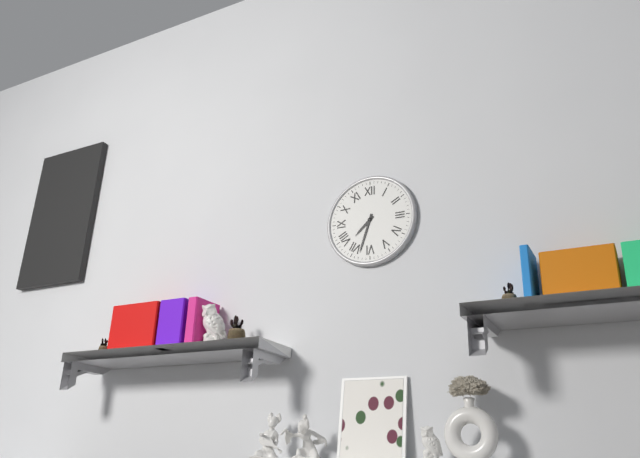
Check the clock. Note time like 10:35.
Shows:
7:33
